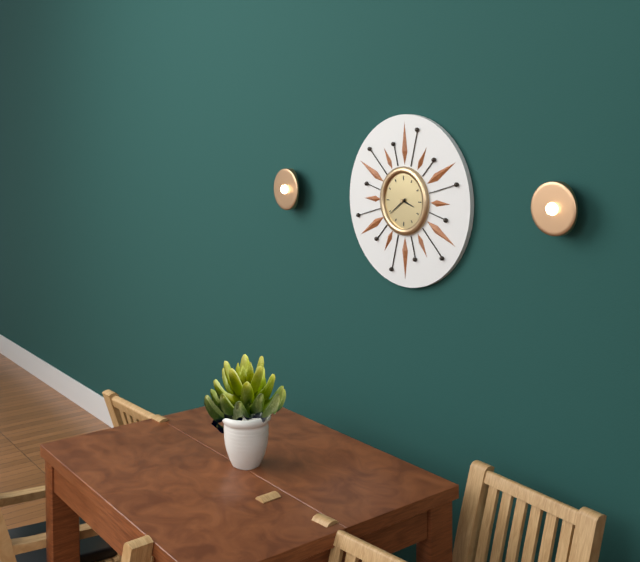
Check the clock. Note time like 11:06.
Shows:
3:39
